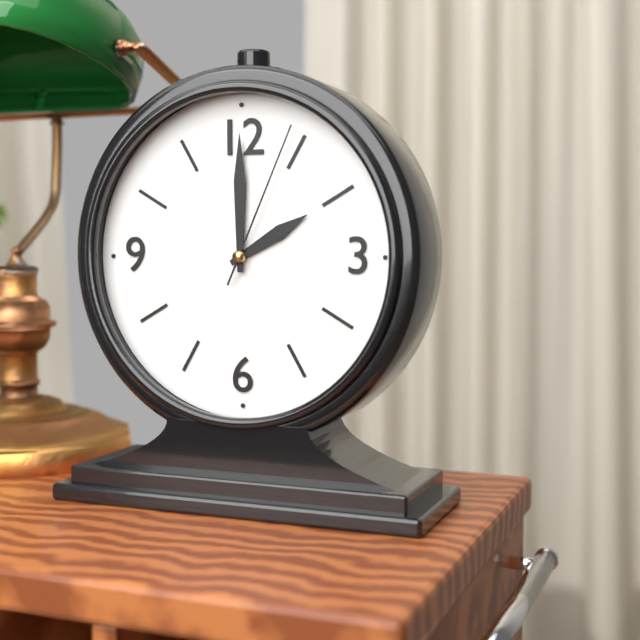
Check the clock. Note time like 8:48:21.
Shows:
2:00:04
